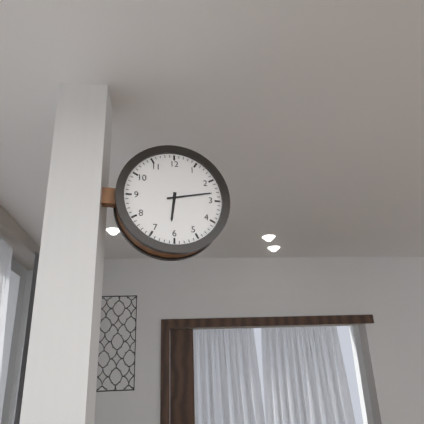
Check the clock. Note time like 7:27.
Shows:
6:13
